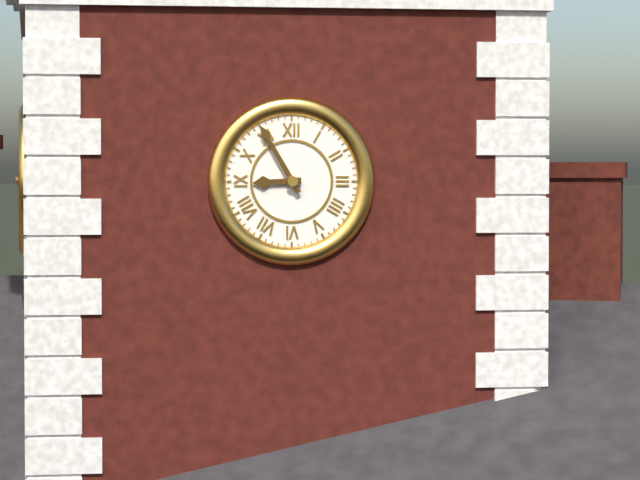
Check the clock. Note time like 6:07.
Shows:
8:55
